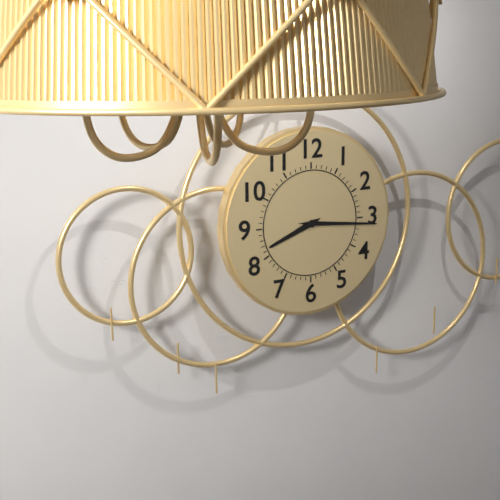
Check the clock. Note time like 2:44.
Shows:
8:16
